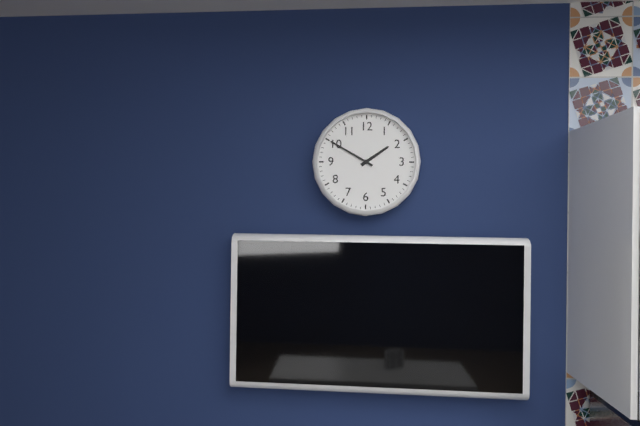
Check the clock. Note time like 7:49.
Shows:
1:50
